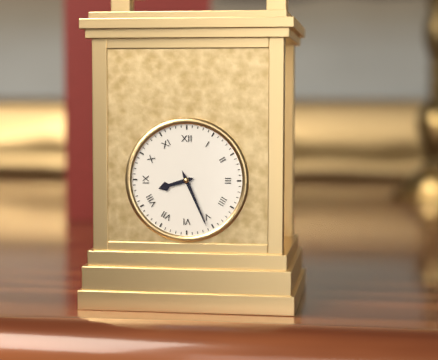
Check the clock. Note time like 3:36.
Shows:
8:26
